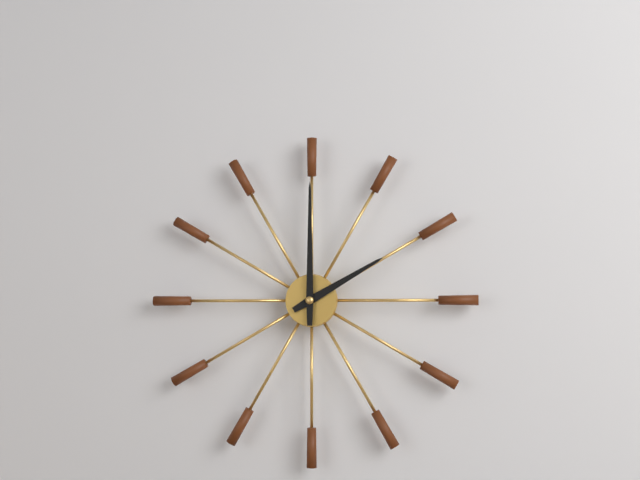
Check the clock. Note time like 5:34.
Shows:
2:00
